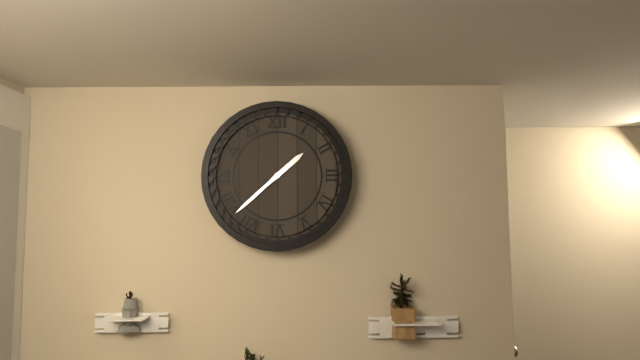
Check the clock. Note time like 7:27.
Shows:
1:38
